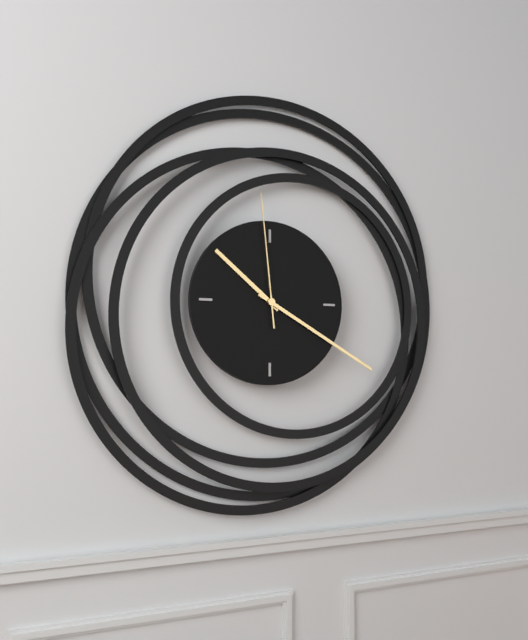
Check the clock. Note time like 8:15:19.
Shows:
10:20:59
